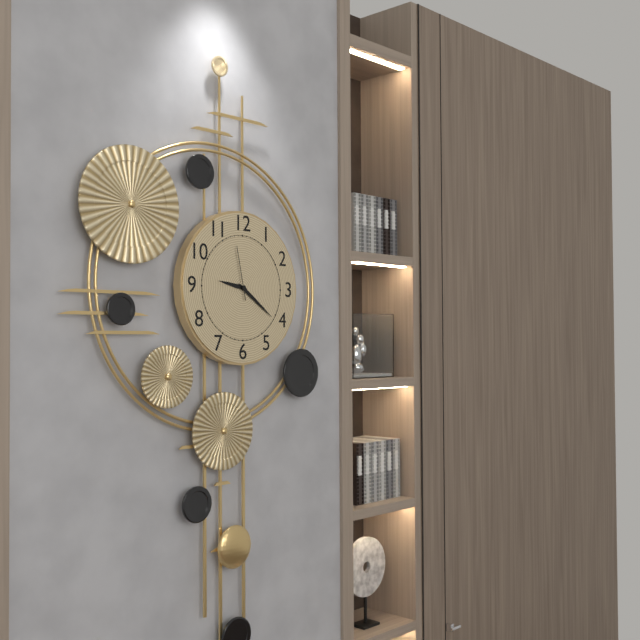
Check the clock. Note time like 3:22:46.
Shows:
9:21:58
